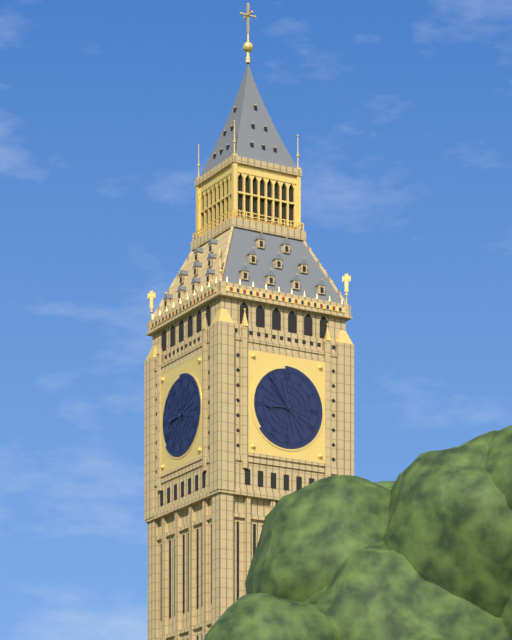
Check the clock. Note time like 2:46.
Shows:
8:54
